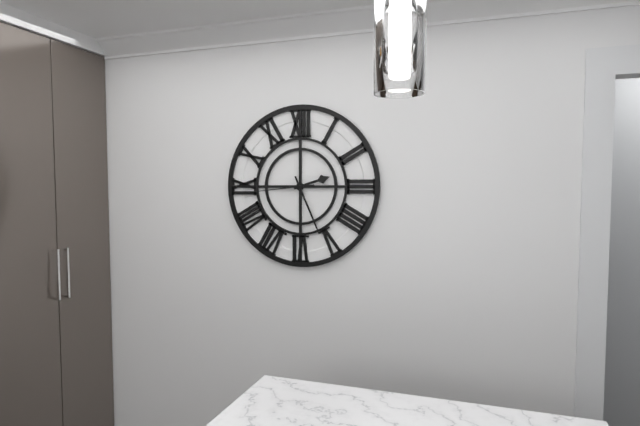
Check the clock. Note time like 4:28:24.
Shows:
2:26:44
